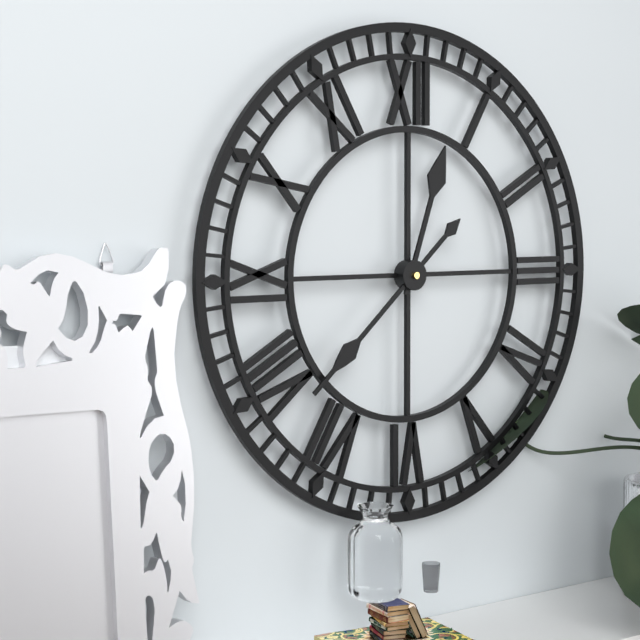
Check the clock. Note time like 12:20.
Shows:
12:38
